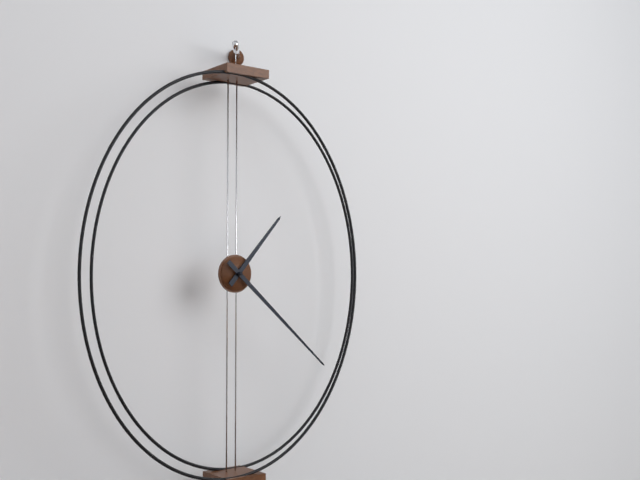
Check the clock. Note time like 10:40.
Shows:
1:22
